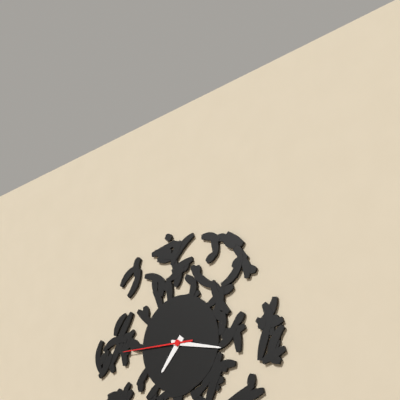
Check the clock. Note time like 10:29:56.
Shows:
7:17:45
